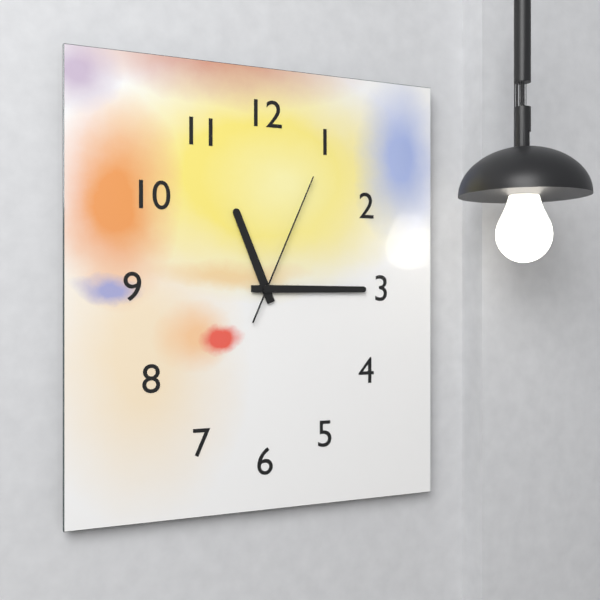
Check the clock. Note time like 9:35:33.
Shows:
11:15:04
